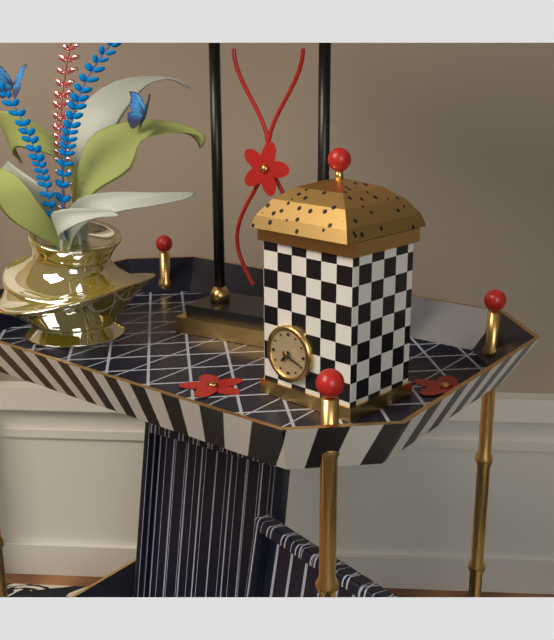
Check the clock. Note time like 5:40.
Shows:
7:19
